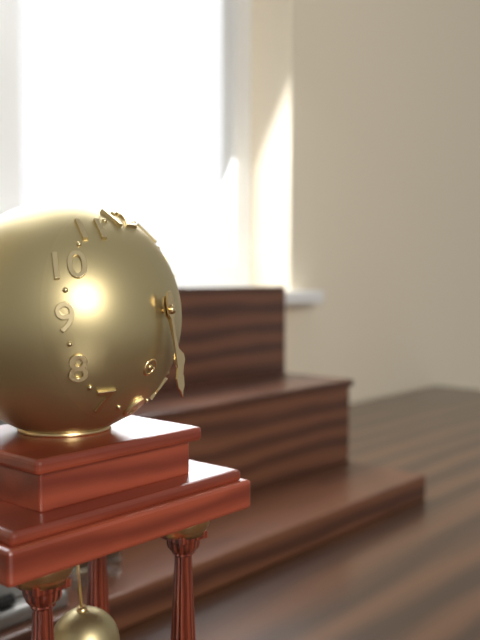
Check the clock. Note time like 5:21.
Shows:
5:29
